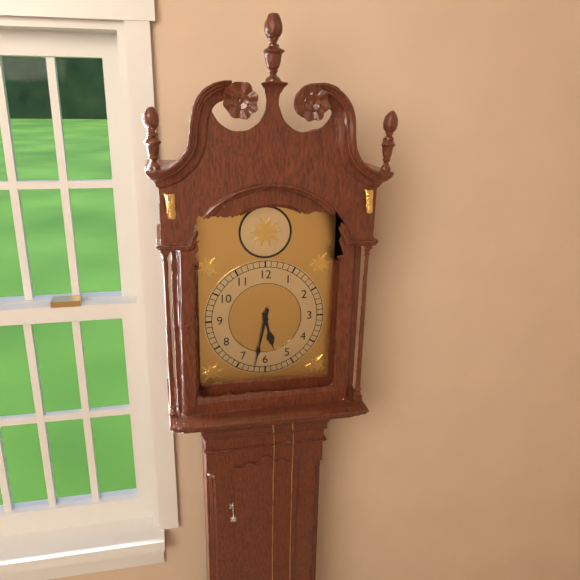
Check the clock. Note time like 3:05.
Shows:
5:32
